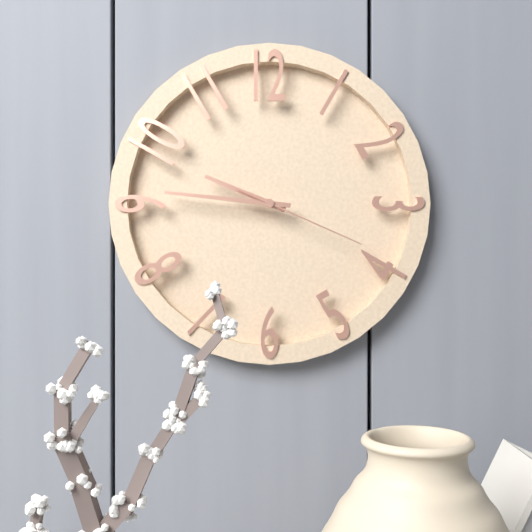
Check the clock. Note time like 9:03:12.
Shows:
9:46:19
